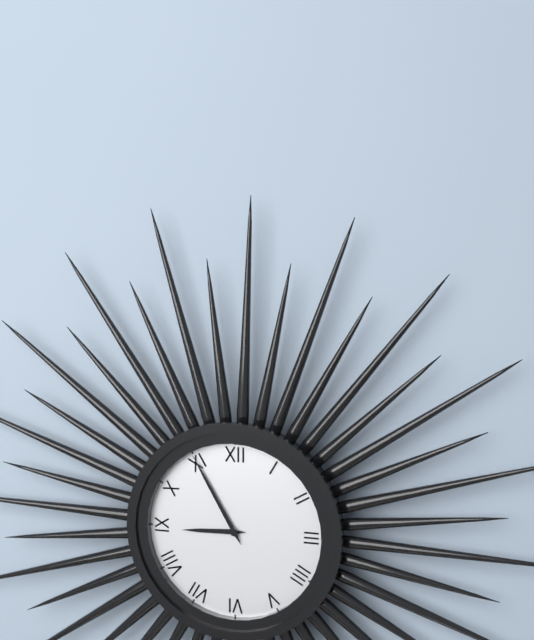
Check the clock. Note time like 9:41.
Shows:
8:55
